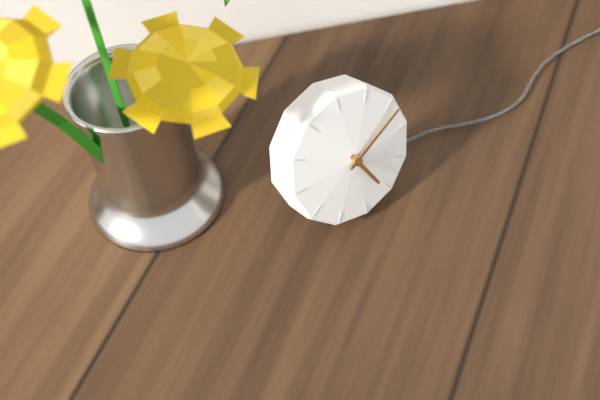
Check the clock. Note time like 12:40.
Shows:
5:11
